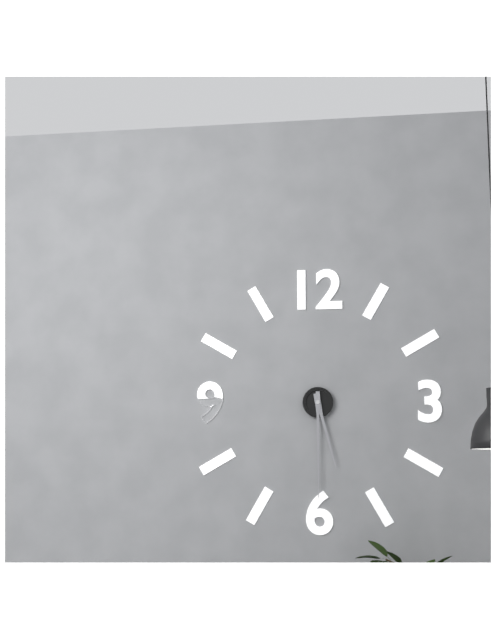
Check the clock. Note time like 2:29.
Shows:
5:30
